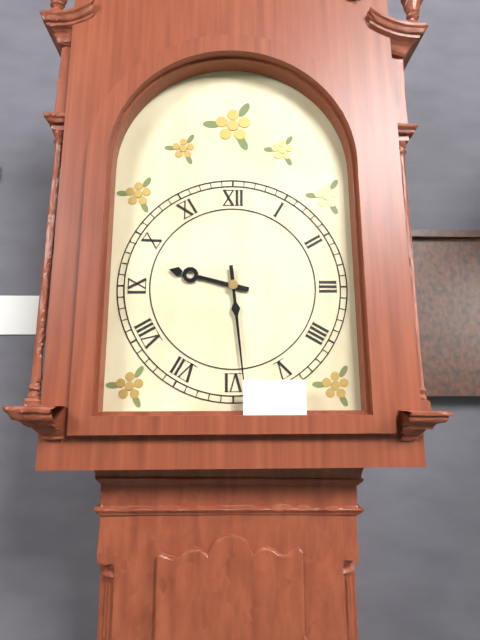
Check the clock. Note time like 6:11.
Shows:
9:29
